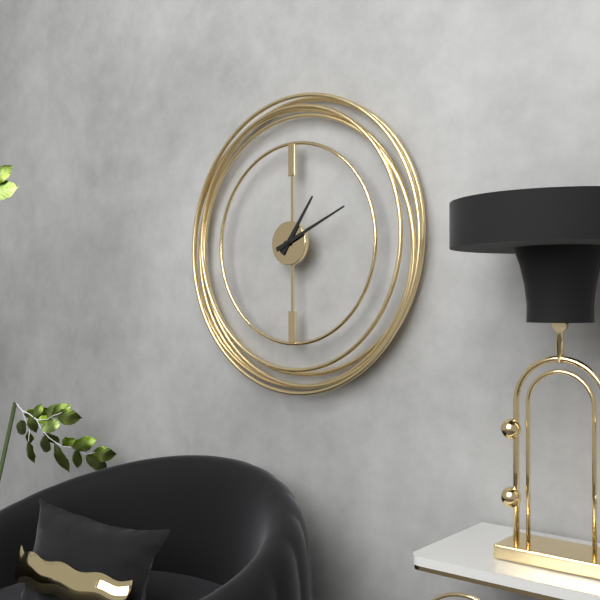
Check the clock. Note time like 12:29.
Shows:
1:11
